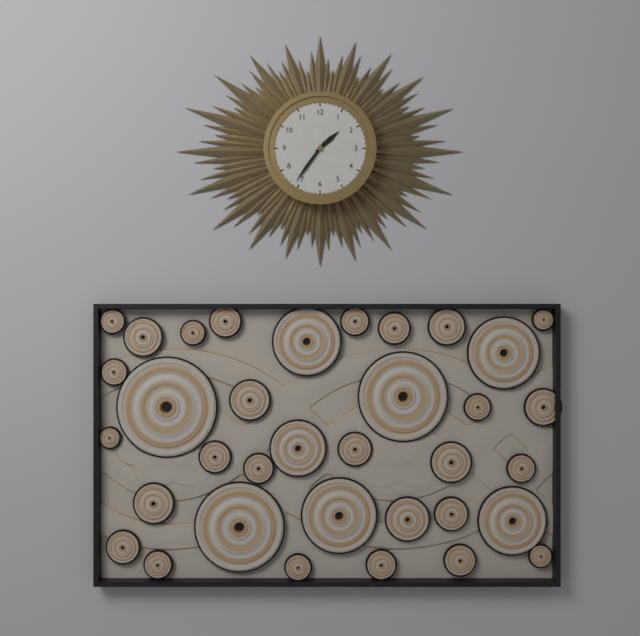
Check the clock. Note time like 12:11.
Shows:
1:36
